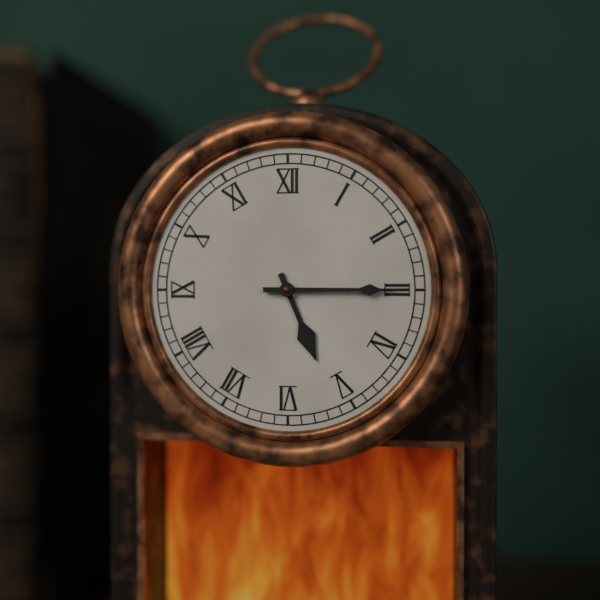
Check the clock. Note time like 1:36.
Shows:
5:15
